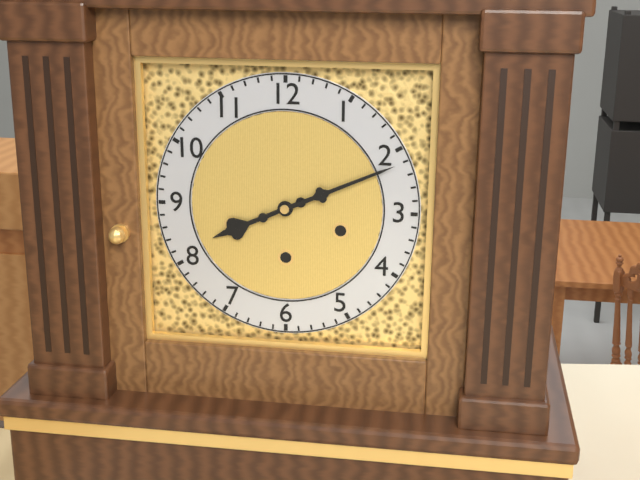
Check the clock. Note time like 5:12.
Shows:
8:11
